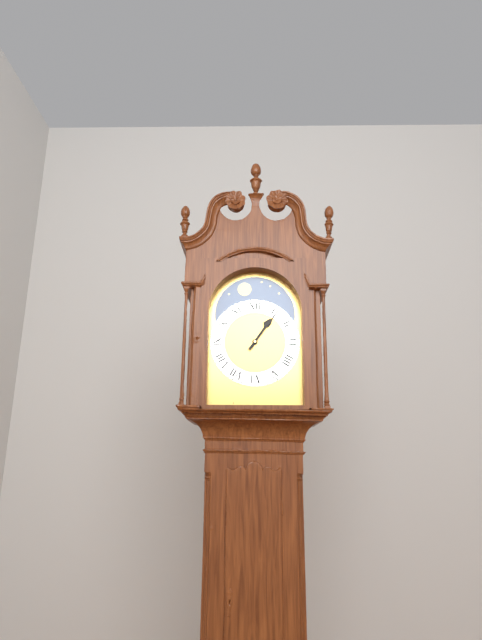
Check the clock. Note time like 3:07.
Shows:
1:06
